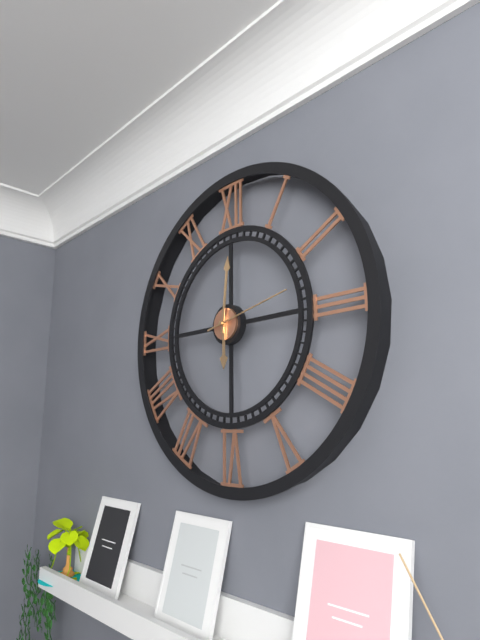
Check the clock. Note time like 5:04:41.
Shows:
6:01:13
